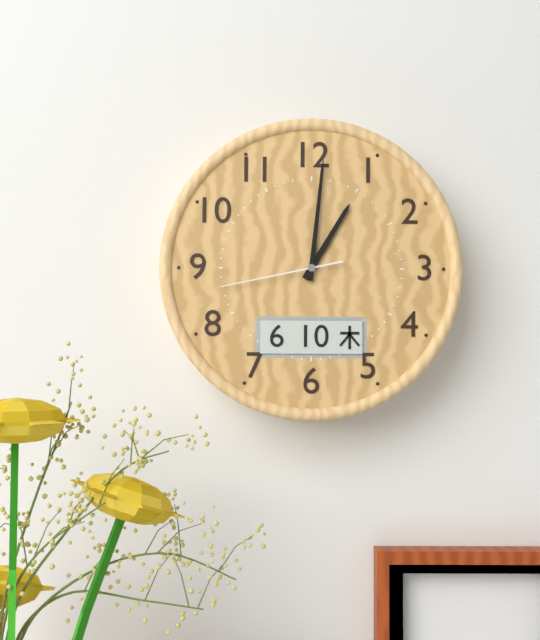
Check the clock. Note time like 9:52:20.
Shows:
1:01:43
